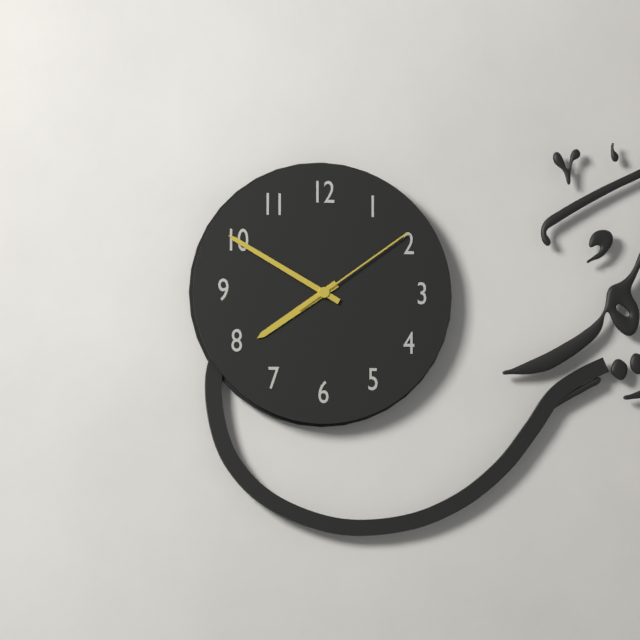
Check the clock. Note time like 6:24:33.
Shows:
7:50:09
